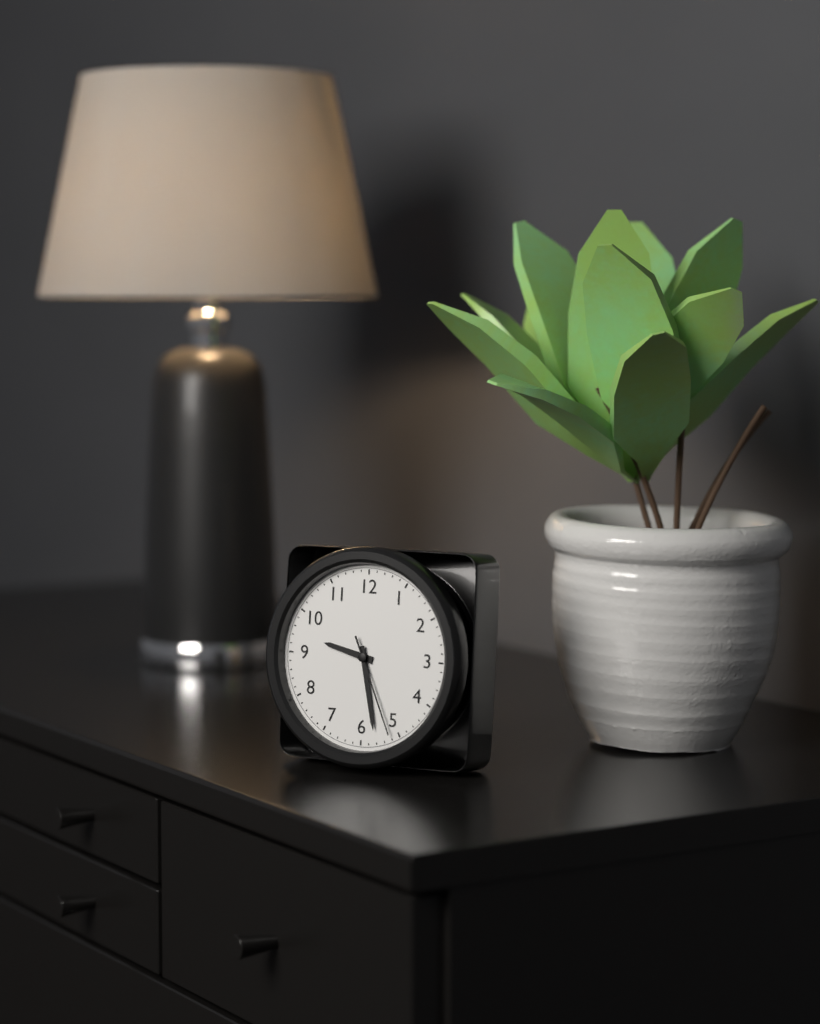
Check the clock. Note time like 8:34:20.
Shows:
9:28:26
